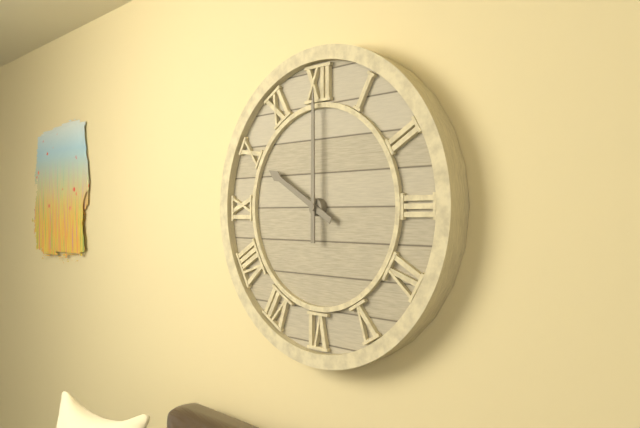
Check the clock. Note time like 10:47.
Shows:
10:00
